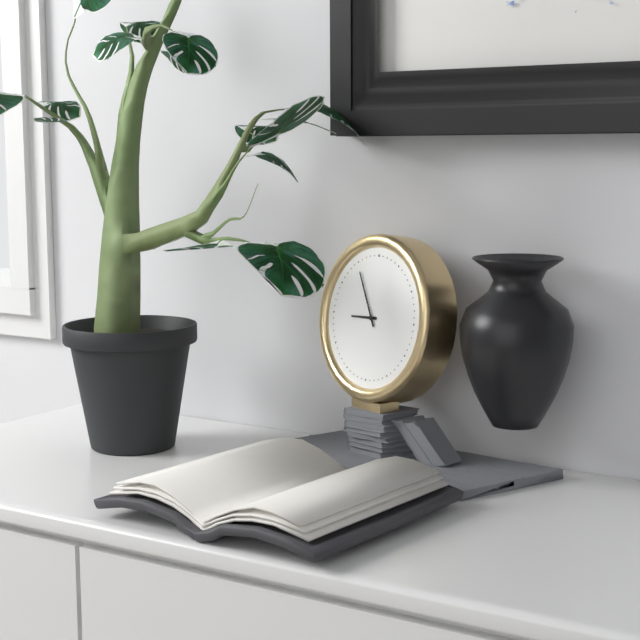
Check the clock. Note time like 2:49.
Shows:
8:55
